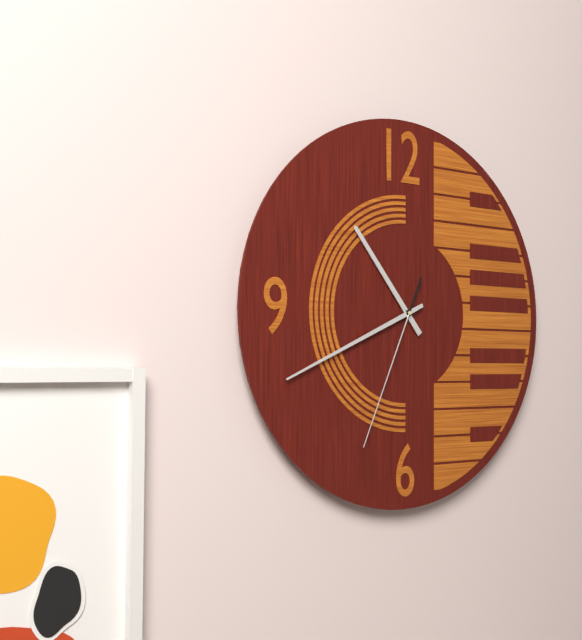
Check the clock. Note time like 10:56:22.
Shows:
10:41:34
